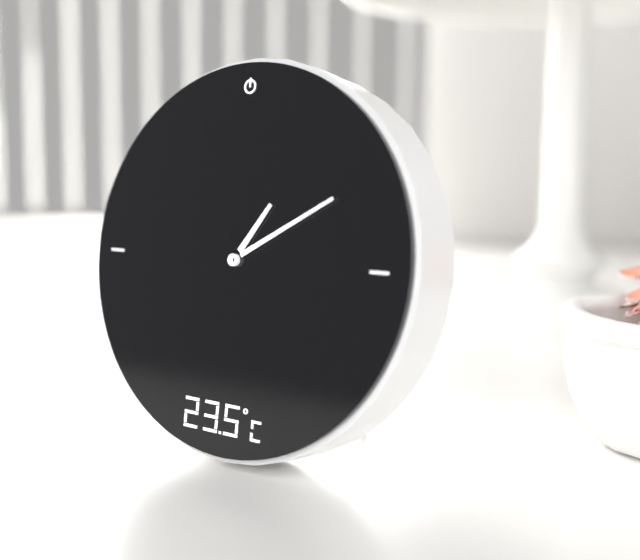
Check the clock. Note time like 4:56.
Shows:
1:10
